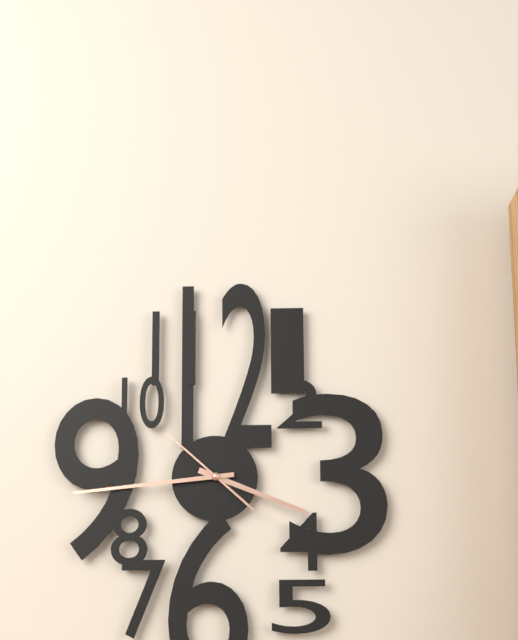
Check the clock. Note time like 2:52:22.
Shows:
3:44:52
